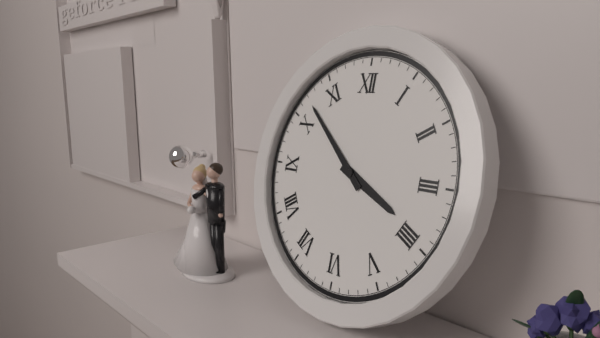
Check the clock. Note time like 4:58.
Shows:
3:52
